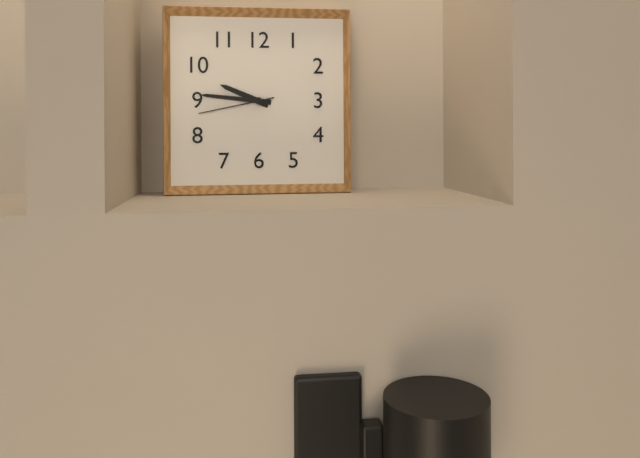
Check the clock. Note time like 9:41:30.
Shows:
9:46:43
